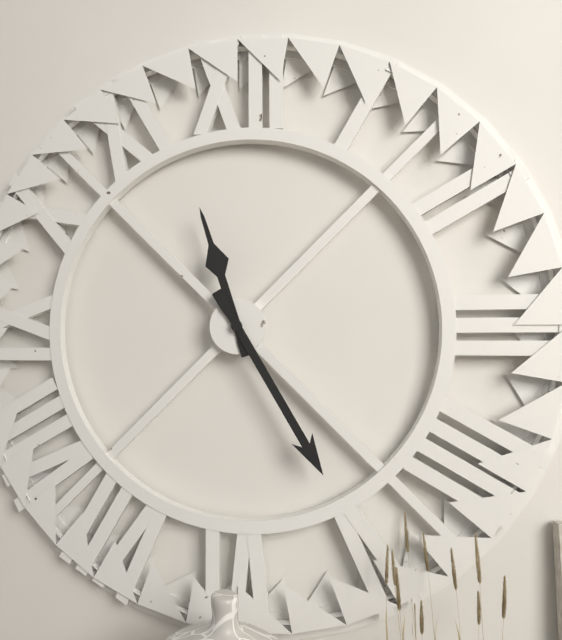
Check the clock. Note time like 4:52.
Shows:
11:25
